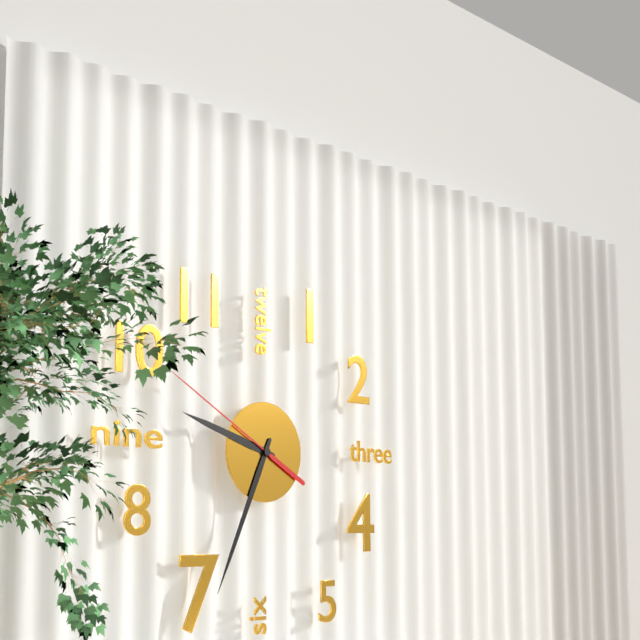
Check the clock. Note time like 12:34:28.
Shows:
9:34:50
